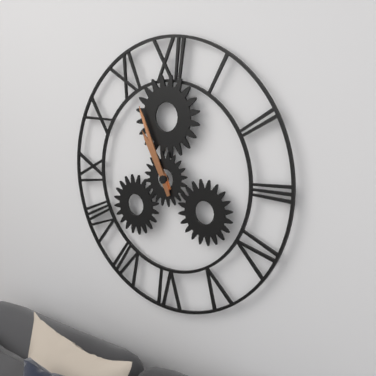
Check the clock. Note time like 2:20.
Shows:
10:56
